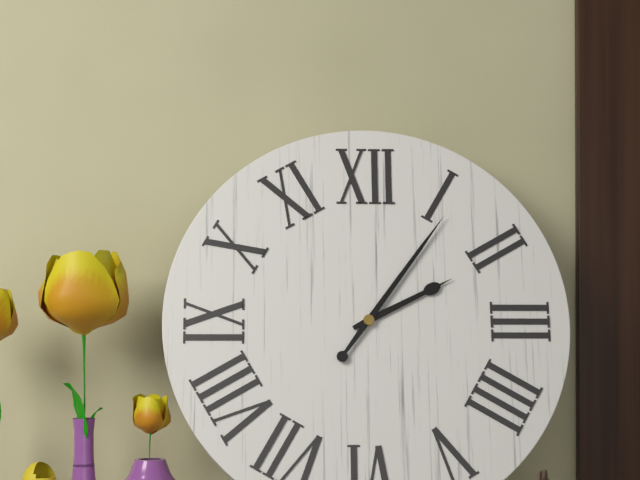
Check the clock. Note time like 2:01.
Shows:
2:06
